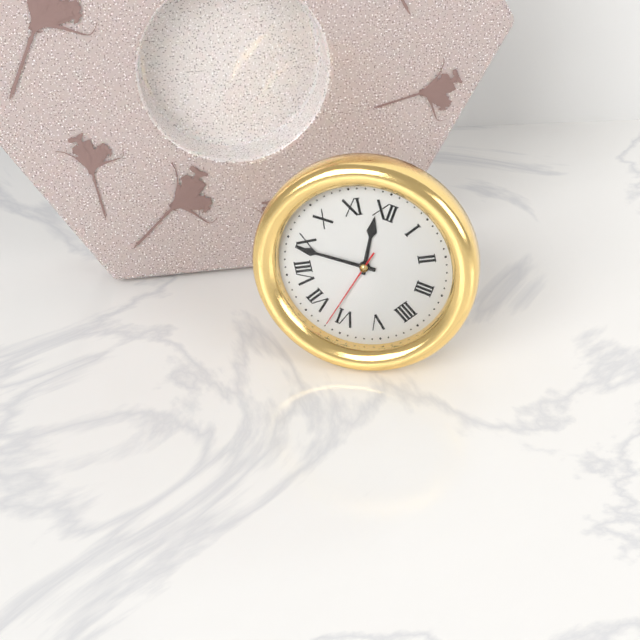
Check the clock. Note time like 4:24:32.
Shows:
11:44:32
